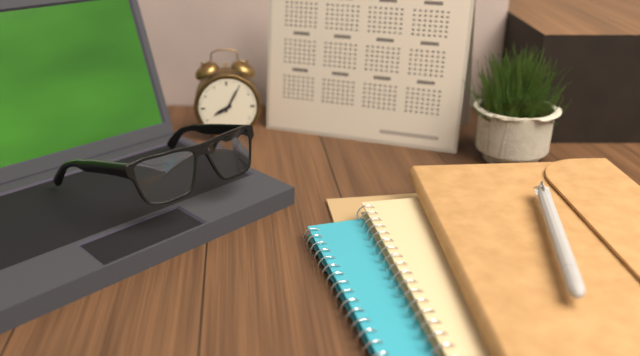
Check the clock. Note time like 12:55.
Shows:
8:05
